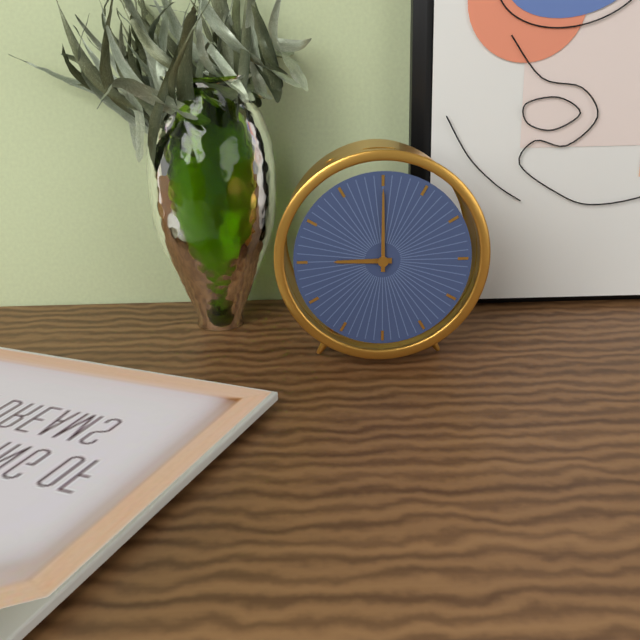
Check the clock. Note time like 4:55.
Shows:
9:00
